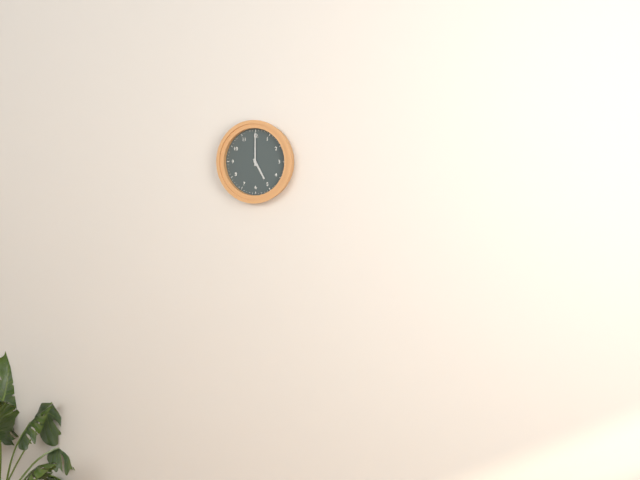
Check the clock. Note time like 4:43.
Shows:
5:00
